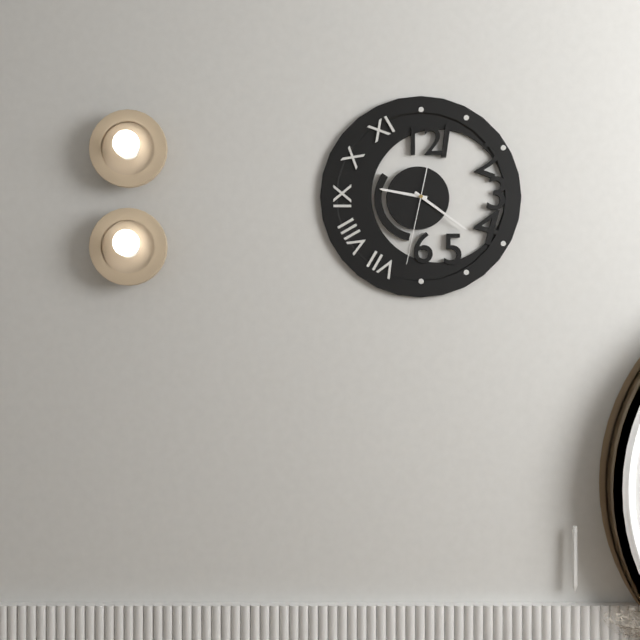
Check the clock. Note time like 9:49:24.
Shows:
9:21:32
